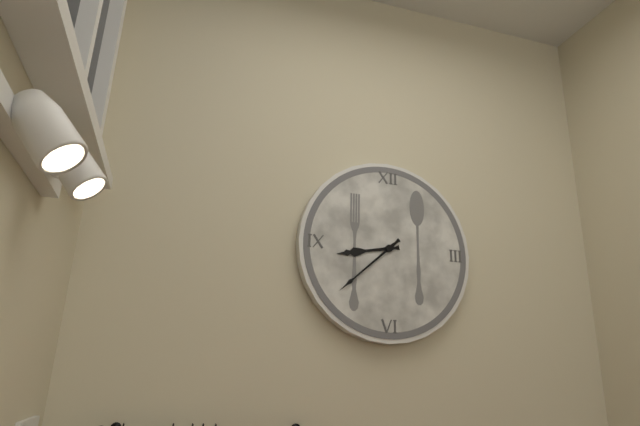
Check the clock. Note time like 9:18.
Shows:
8:38
